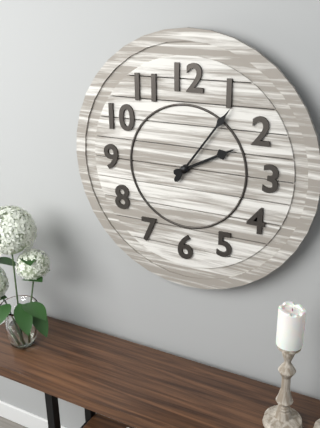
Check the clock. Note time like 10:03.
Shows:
2:06
